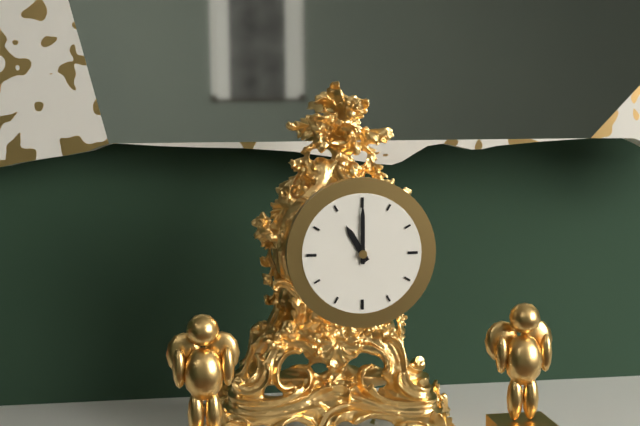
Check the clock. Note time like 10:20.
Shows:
11:00
